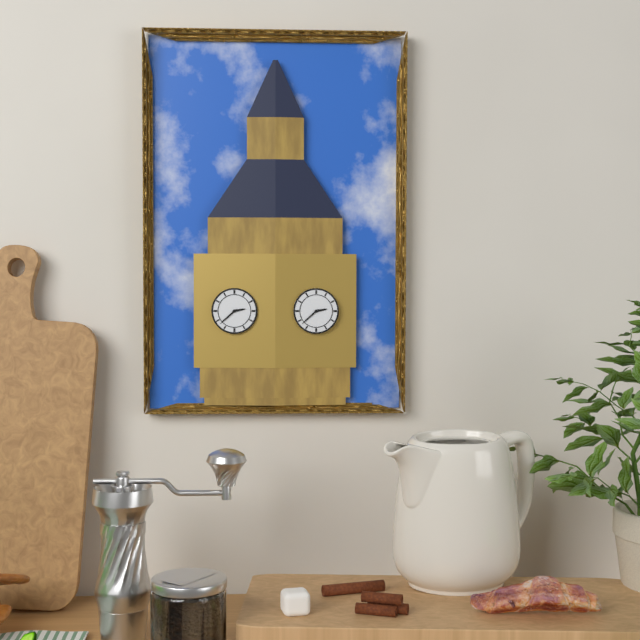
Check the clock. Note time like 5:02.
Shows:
2:38
